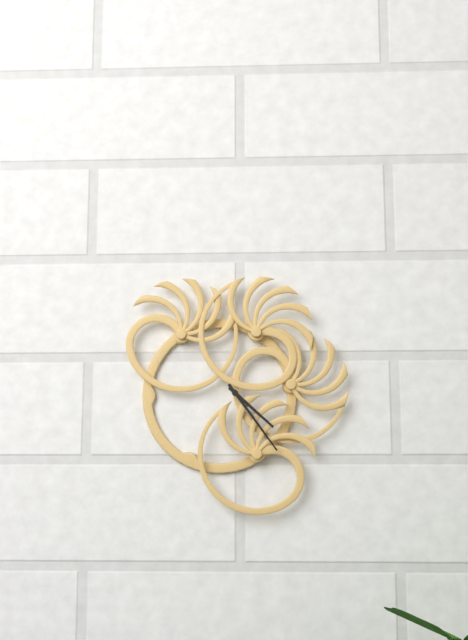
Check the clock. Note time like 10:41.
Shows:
4:24
